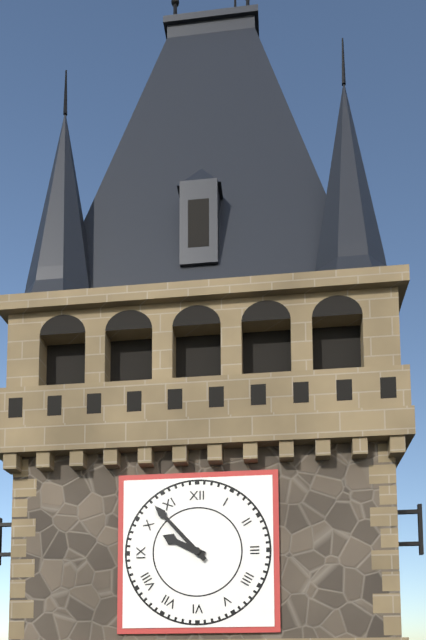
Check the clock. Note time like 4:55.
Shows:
9:53
